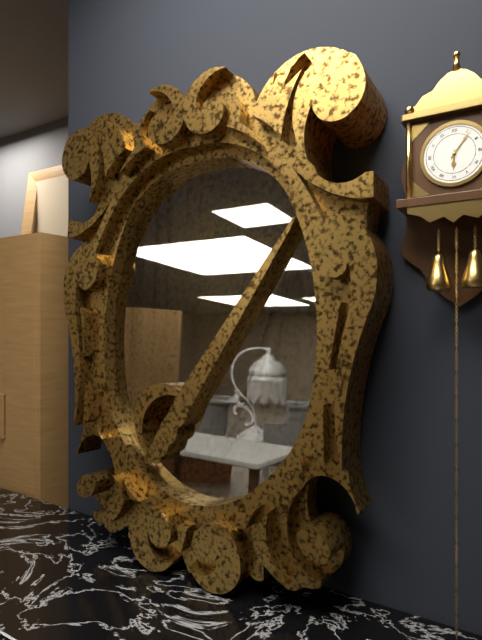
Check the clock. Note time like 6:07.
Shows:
6:06
